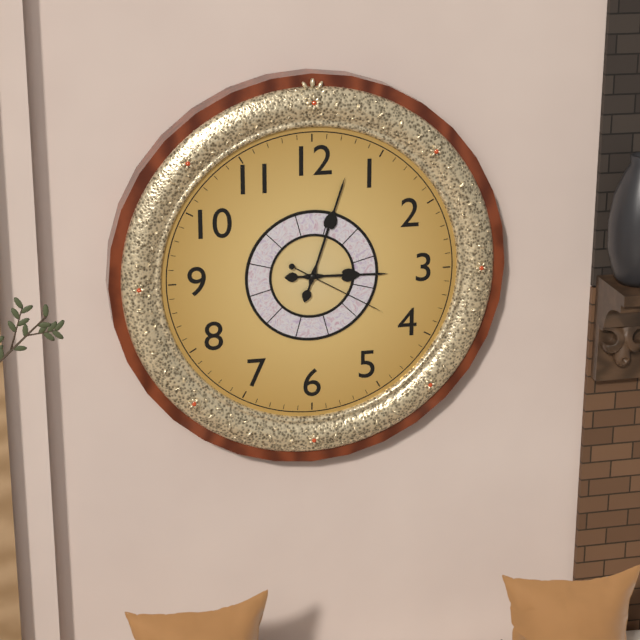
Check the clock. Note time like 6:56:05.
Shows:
3:03:20
